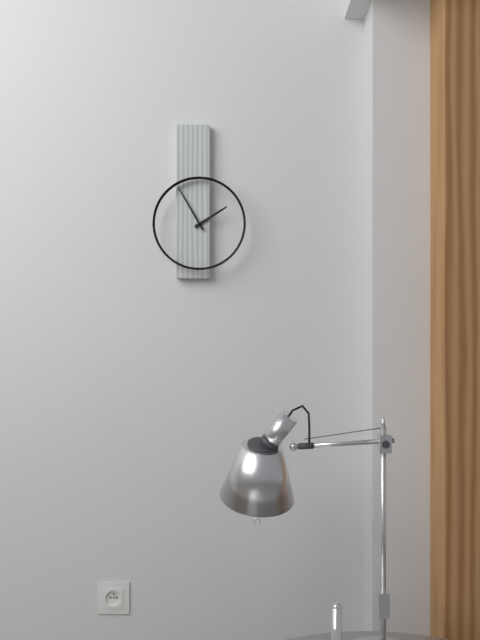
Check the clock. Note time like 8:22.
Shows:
1:55
